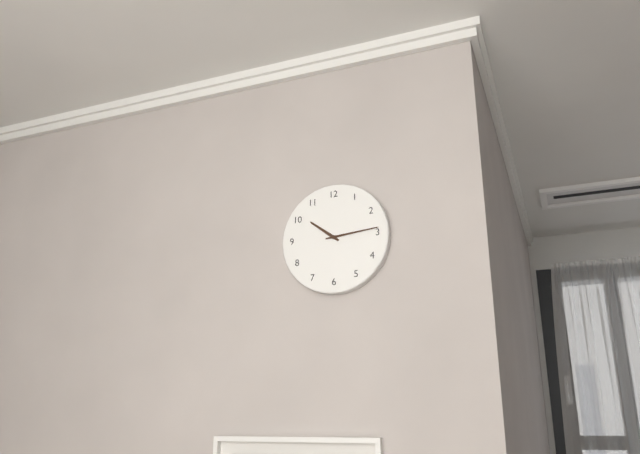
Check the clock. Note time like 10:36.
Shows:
10:14
